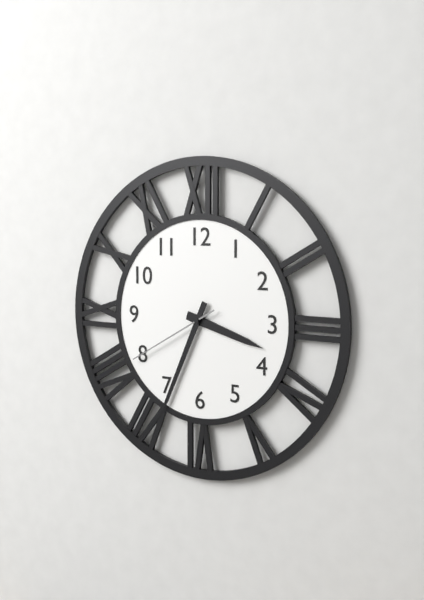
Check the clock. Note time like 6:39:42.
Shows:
3:34:40
